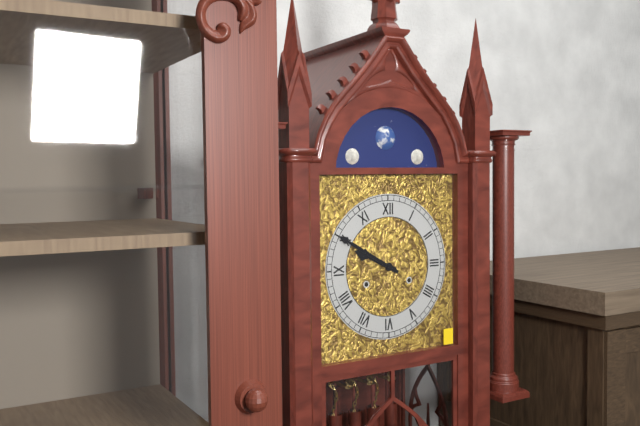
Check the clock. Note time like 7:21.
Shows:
9:50
